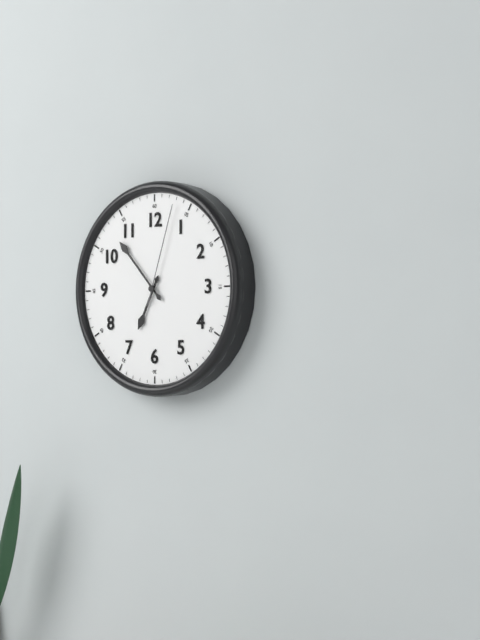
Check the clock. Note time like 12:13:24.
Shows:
6:53:03
